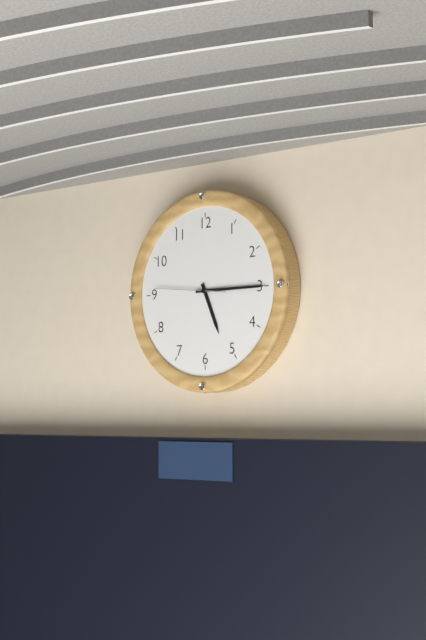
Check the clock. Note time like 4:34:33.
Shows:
5:15:46
